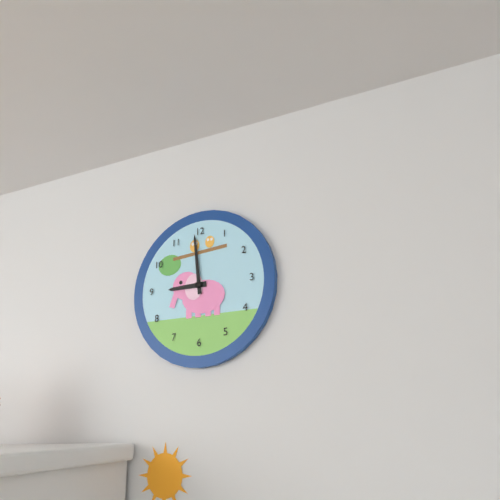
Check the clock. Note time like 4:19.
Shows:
8:59
